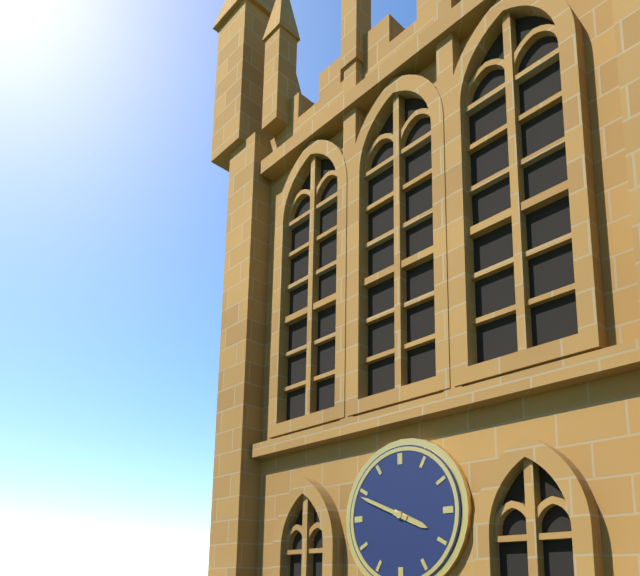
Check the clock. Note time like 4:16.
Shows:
3:49
